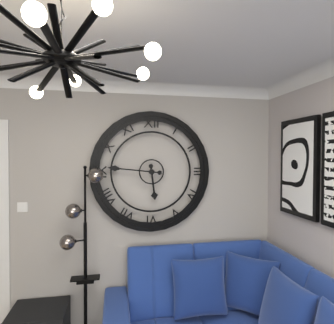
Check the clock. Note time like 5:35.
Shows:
5:46
